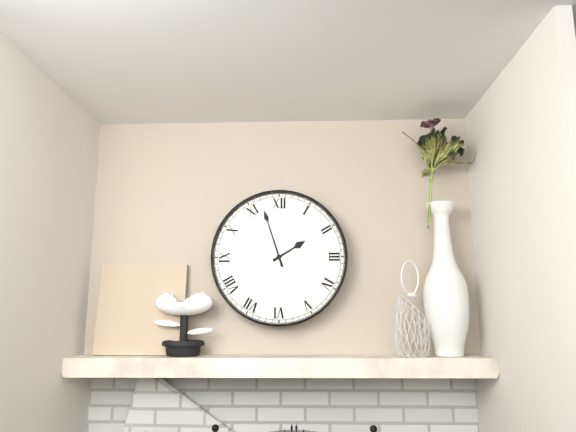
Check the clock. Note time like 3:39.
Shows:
1:57
